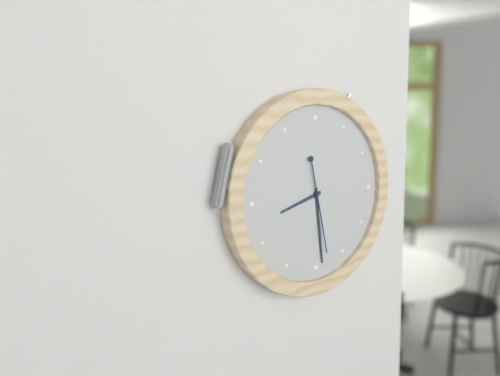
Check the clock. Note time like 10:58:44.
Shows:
8:29:28
